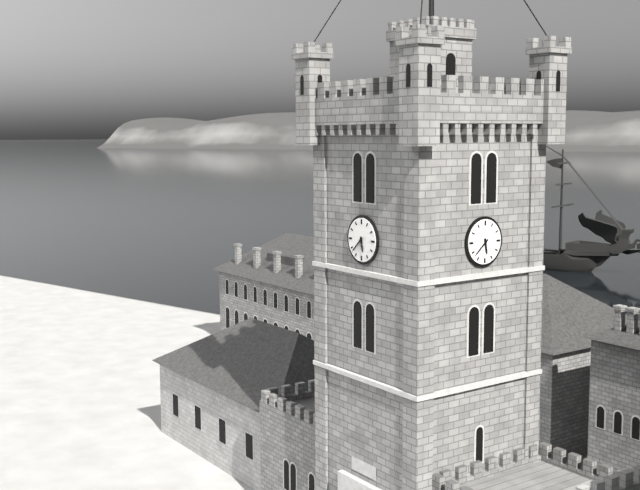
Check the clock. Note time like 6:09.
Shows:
5:38
